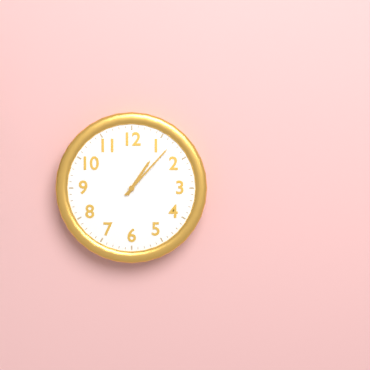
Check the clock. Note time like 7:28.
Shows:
1:07
